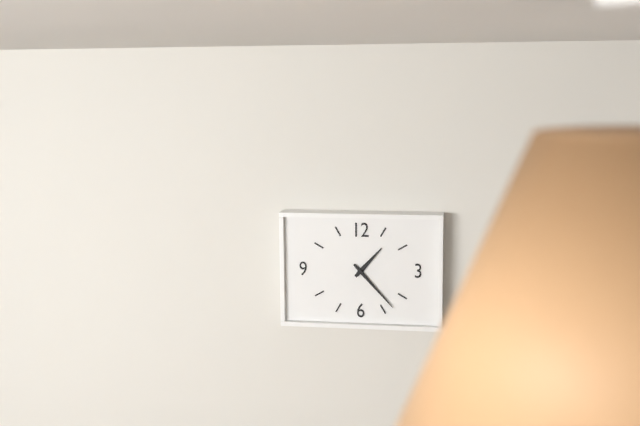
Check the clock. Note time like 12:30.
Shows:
1:23
